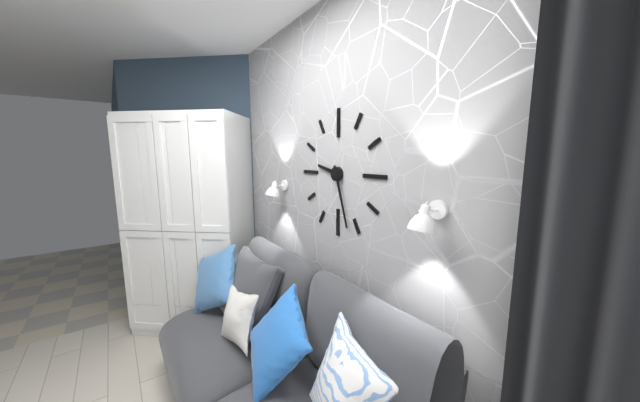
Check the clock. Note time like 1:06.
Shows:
9:27
